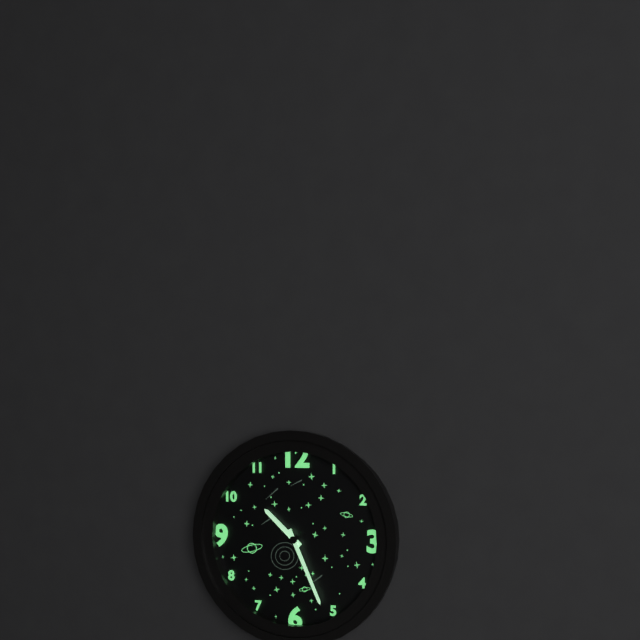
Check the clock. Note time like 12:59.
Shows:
10:26
